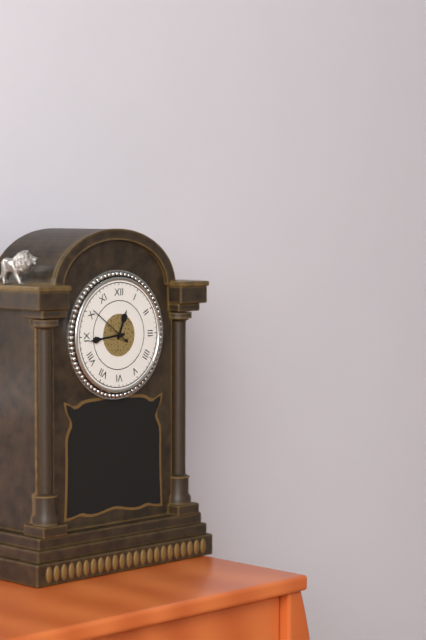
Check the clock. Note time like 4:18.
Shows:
12:44
